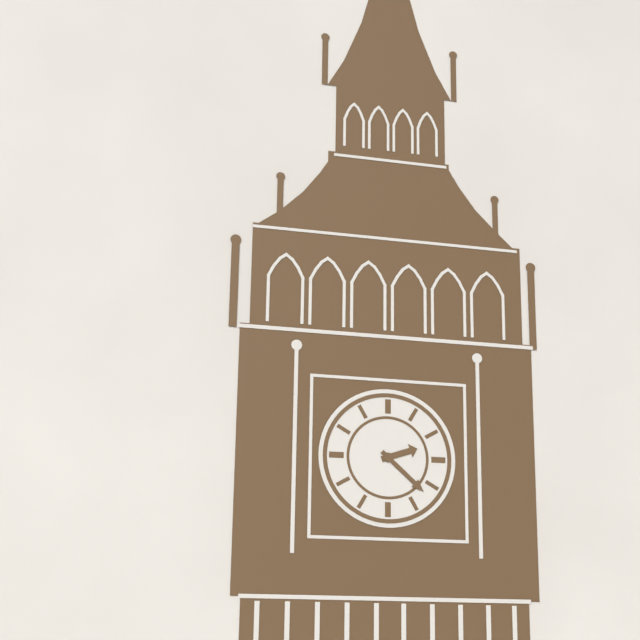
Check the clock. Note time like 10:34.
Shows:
2:22
